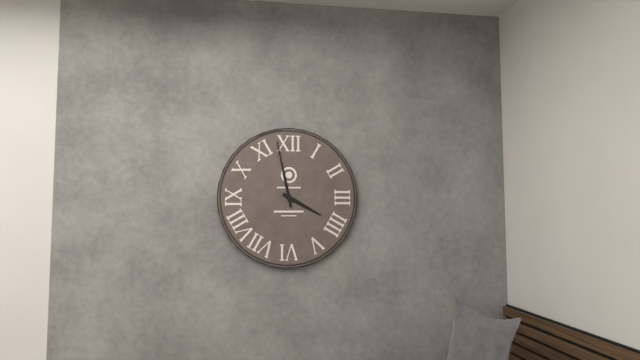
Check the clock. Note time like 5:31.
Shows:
3:58
